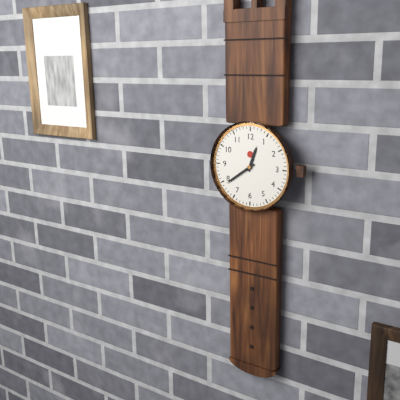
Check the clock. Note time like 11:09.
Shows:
12:39
